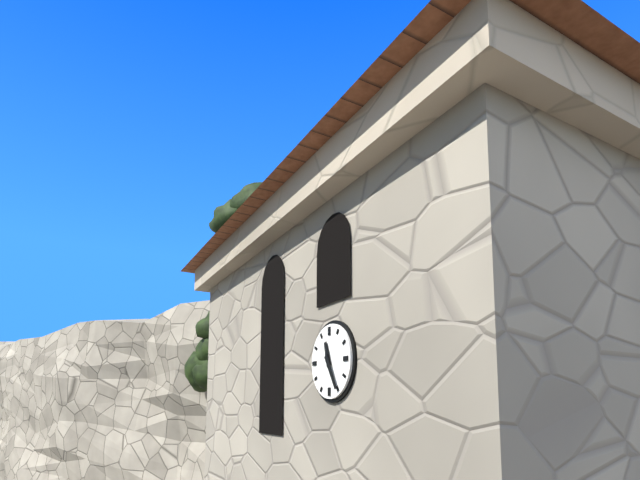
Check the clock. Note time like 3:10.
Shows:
11:25
